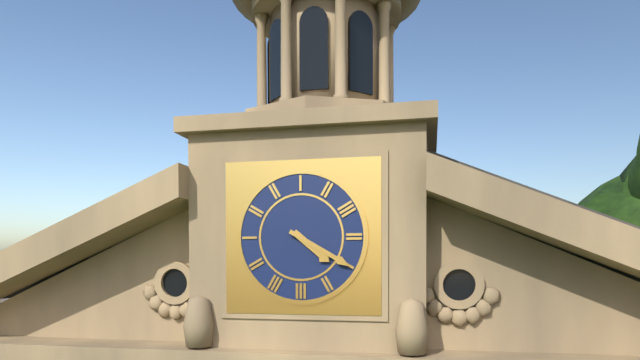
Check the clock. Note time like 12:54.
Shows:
4:20
